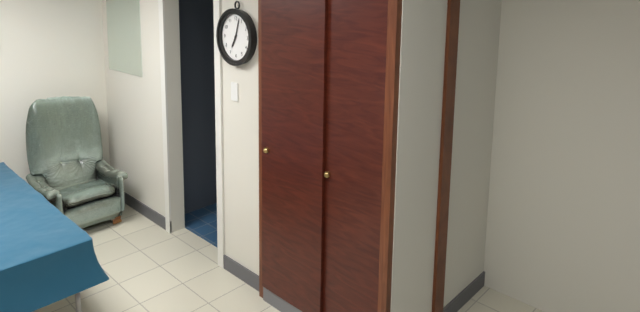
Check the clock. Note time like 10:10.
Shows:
7:03
